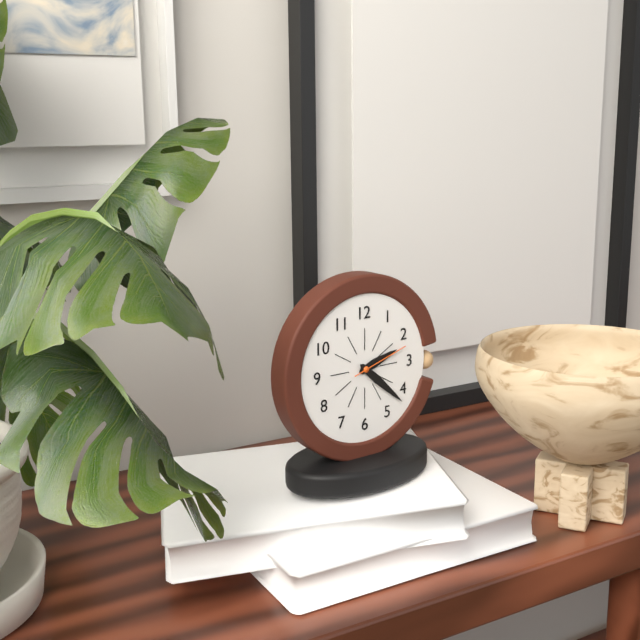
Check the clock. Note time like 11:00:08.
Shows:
2:22:12
